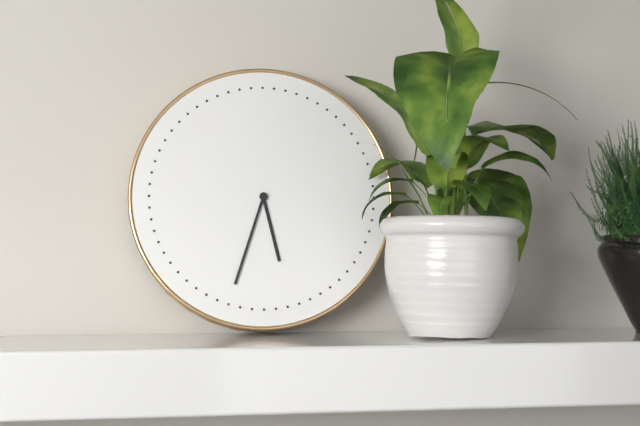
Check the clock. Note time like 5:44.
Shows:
5:33
